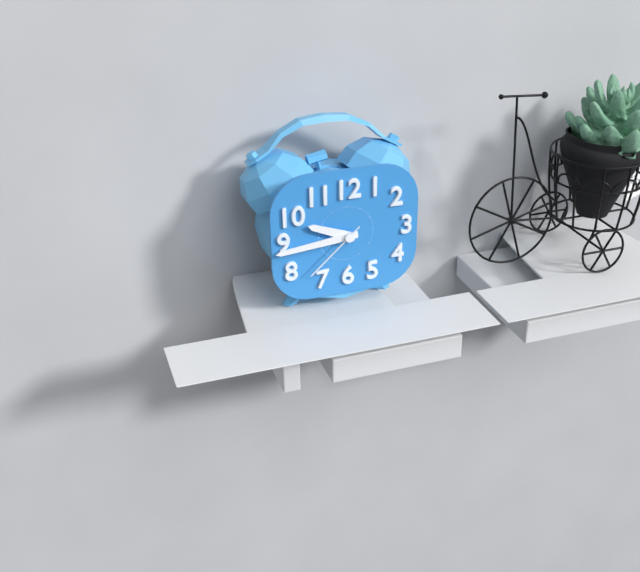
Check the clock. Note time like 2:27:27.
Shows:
9:44:38
